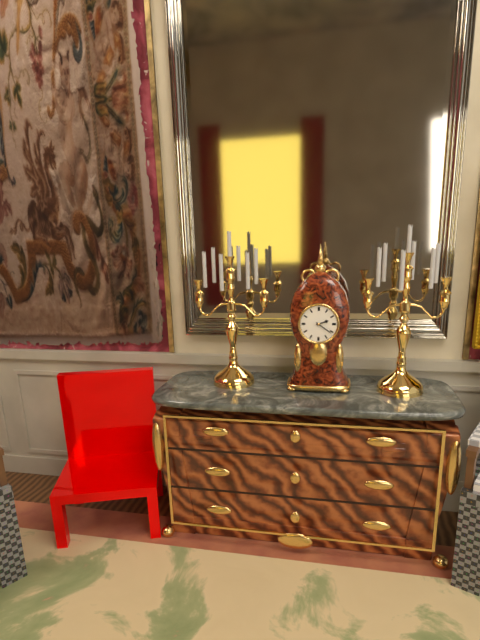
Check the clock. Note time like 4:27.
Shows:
2:21
